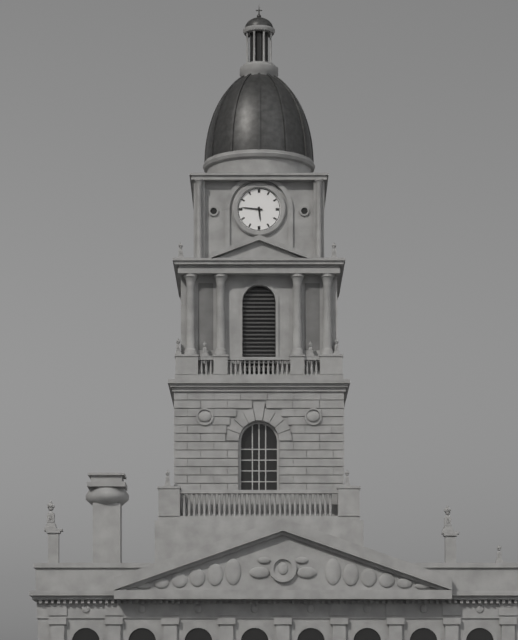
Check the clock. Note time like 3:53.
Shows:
5:46
